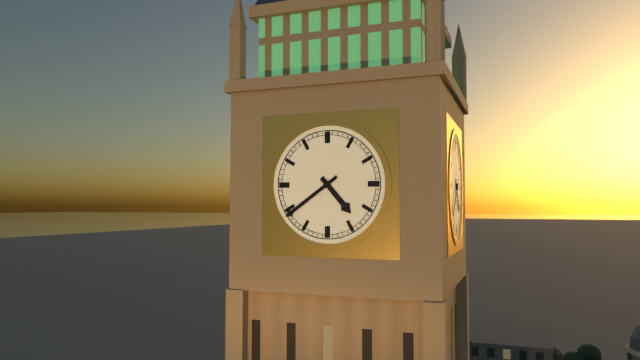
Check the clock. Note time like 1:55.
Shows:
4:39
